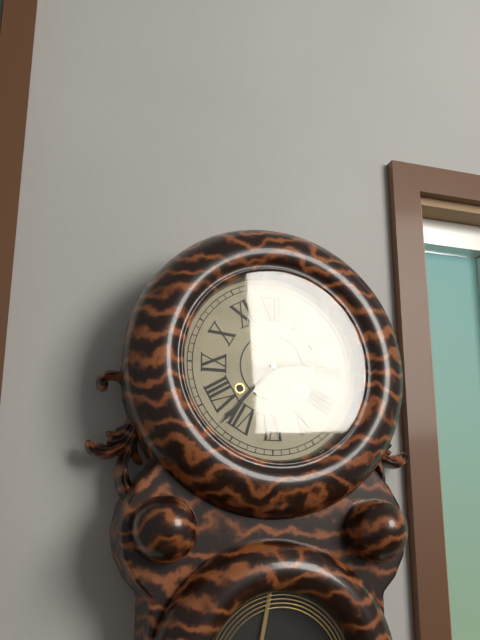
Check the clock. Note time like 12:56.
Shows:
2:37
